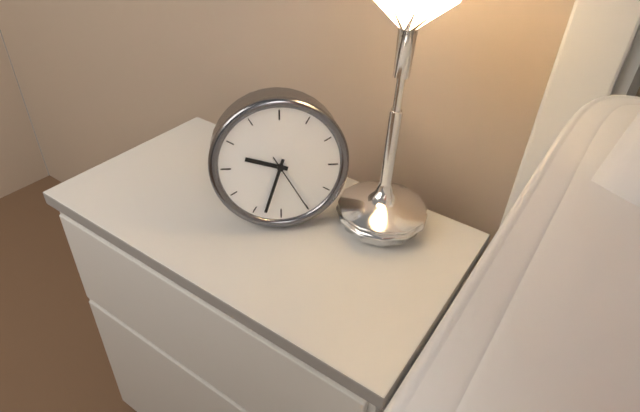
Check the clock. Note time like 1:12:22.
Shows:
9:33:25
